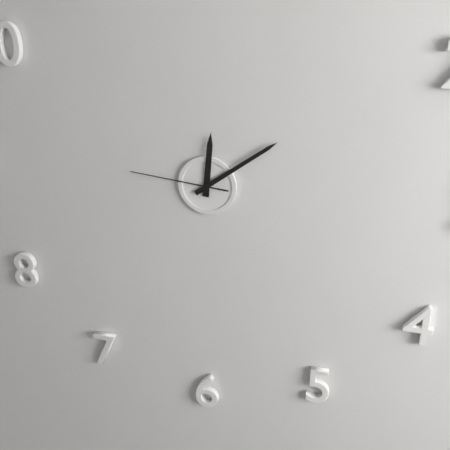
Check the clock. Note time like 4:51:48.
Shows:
12:09:46
